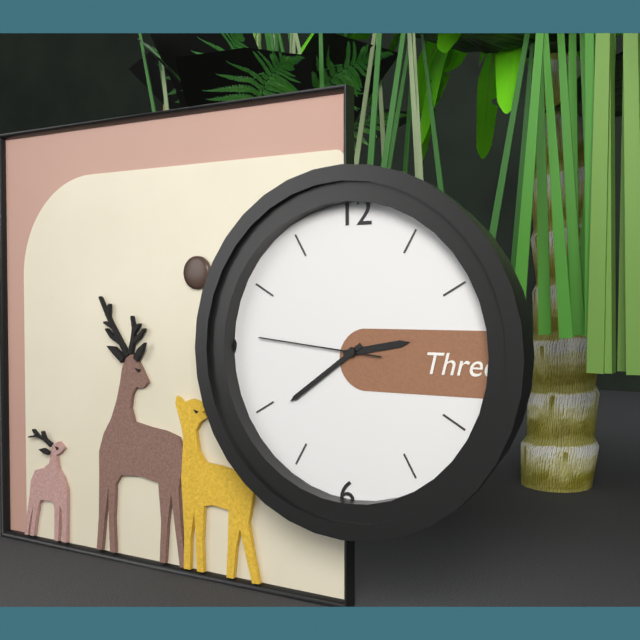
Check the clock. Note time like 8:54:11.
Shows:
2:39:46
